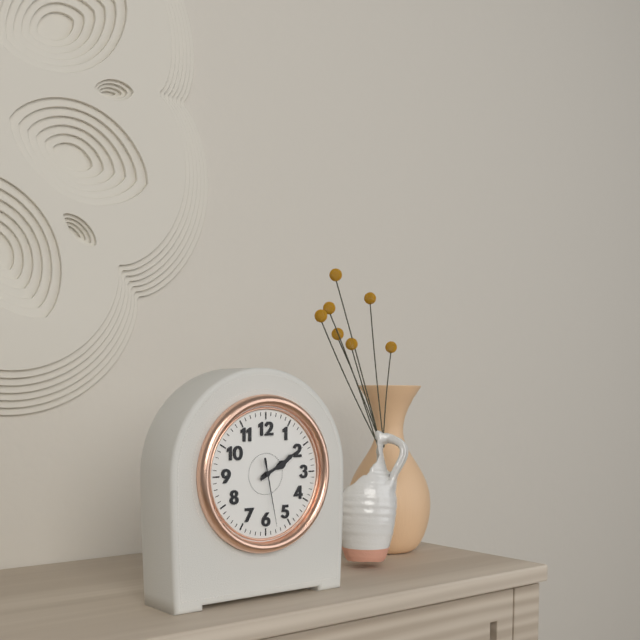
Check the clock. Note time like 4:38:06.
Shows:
2:10:28
